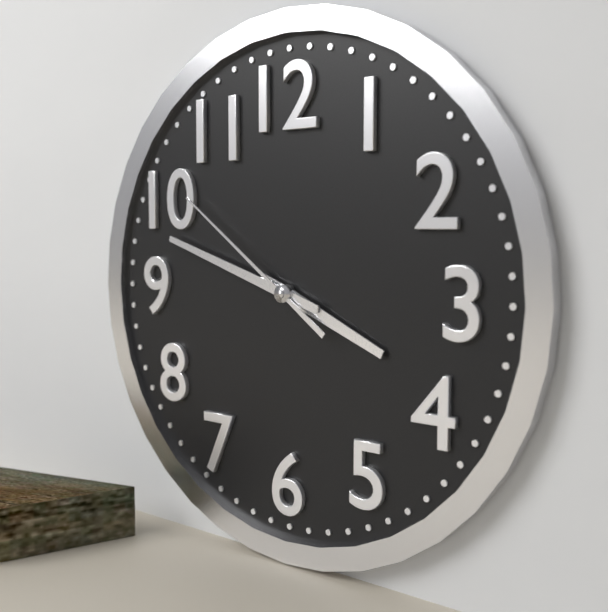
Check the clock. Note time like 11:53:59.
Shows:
3:48:51
